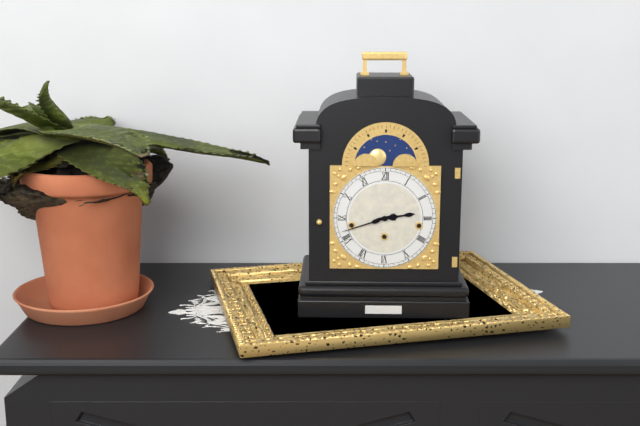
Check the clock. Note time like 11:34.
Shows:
2:42
